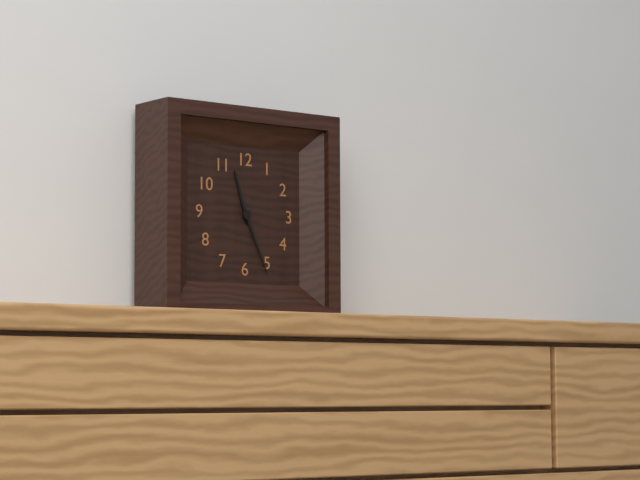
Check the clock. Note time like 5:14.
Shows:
11:26
